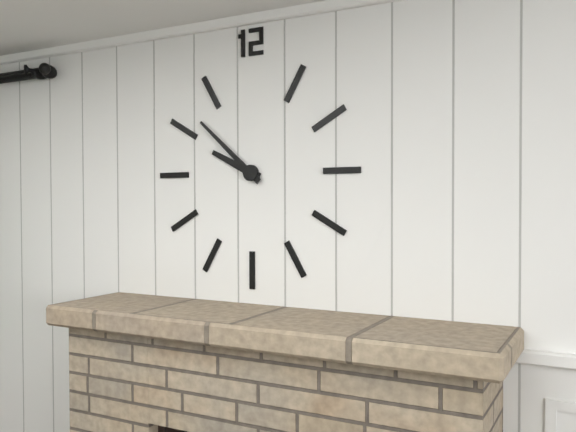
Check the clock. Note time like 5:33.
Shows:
9:52
